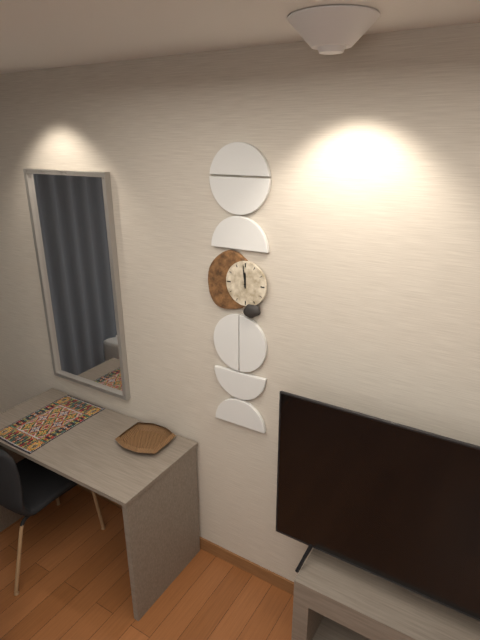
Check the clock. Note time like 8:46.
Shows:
11:59
